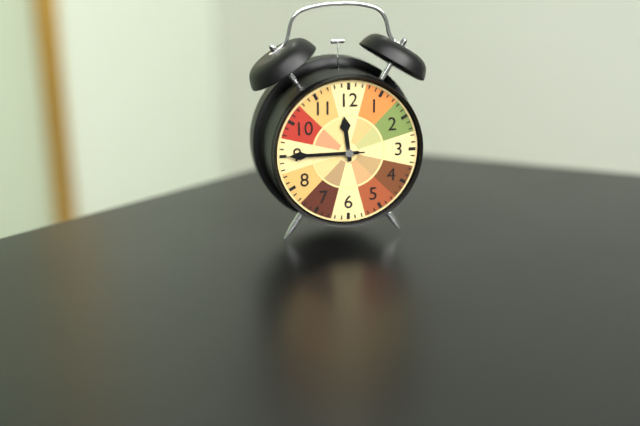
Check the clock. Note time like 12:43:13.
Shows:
11:45:45
